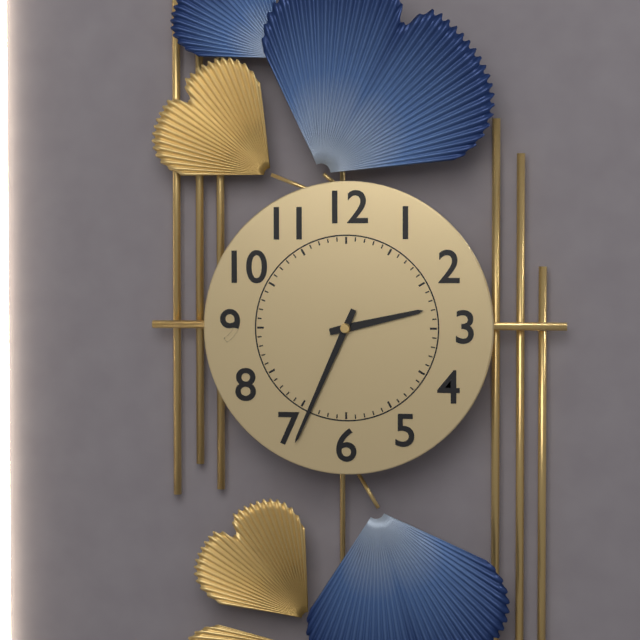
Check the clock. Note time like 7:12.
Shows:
2:34
